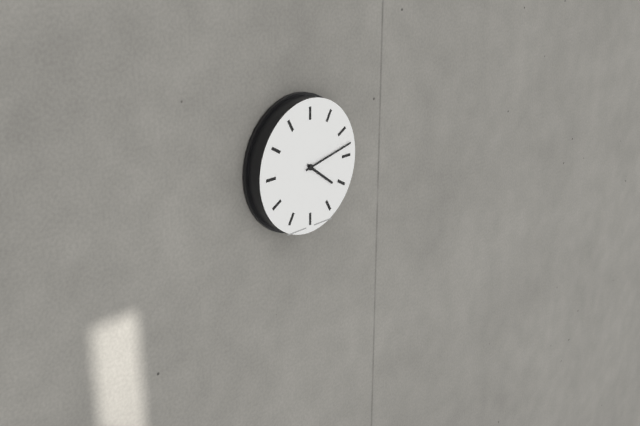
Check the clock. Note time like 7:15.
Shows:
4:13
